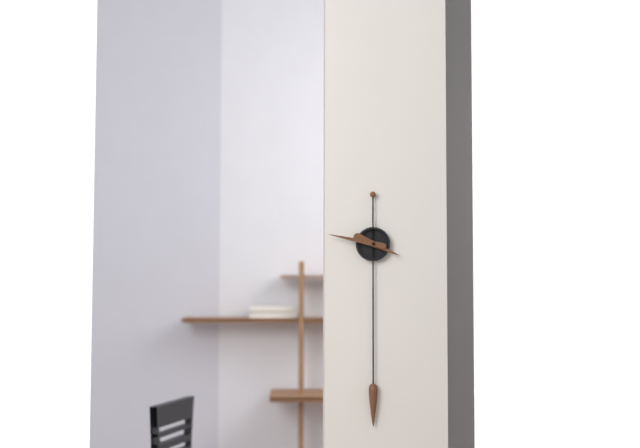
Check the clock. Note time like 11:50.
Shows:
3:47
